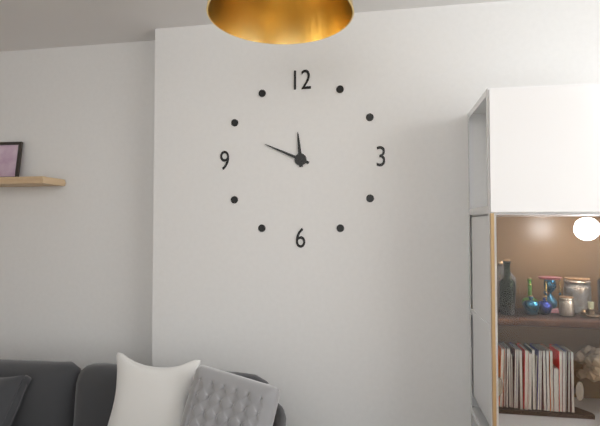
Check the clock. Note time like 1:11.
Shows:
11:49
